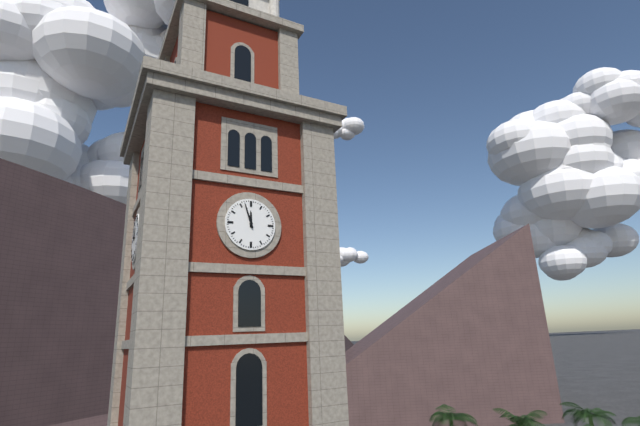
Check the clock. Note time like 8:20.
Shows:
11:57
